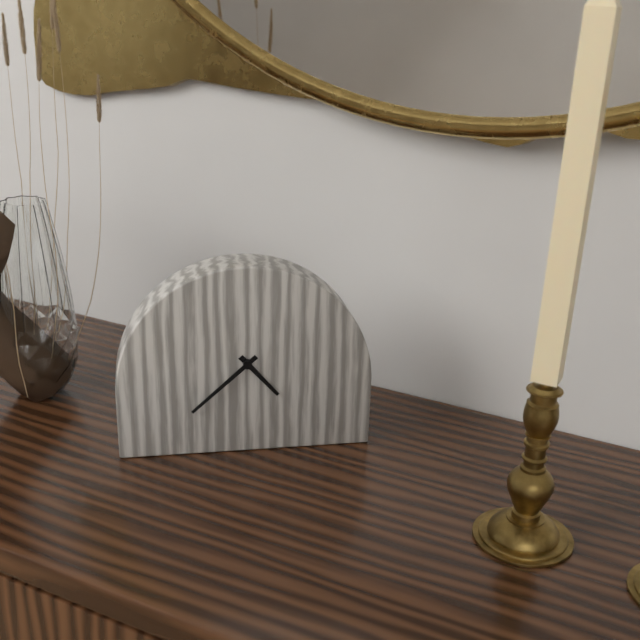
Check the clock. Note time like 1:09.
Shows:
4:38
